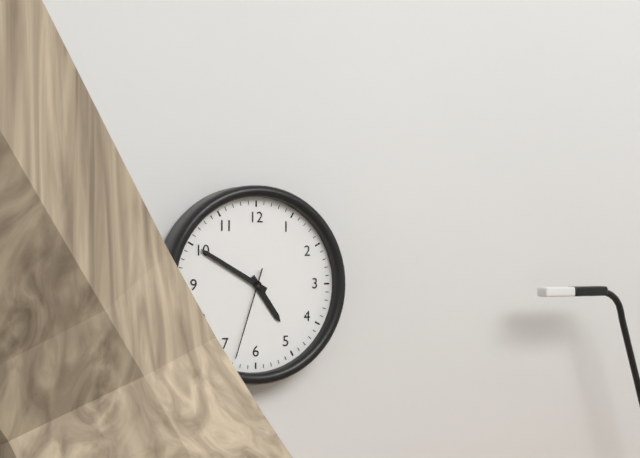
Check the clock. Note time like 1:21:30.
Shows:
4:50:33
